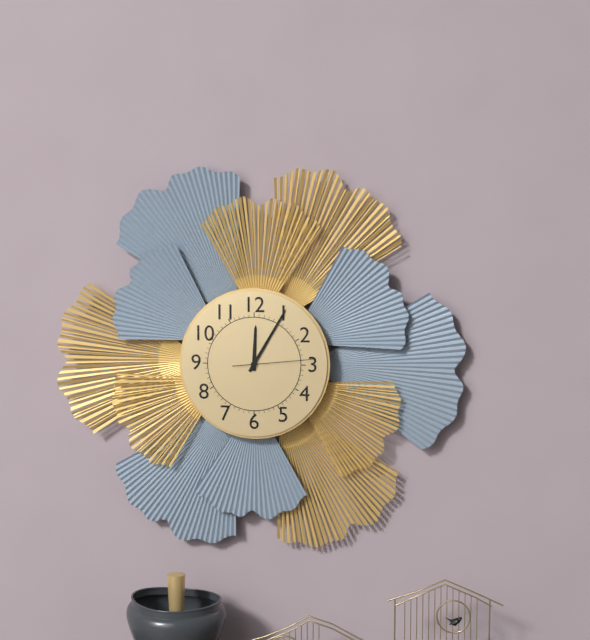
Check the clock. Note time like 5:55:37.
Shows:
12:05:14
